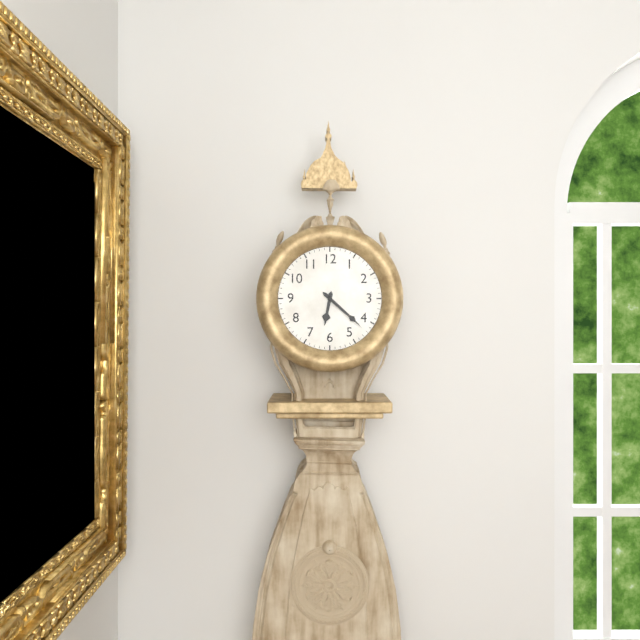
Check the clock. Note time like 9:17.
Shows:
6:22
